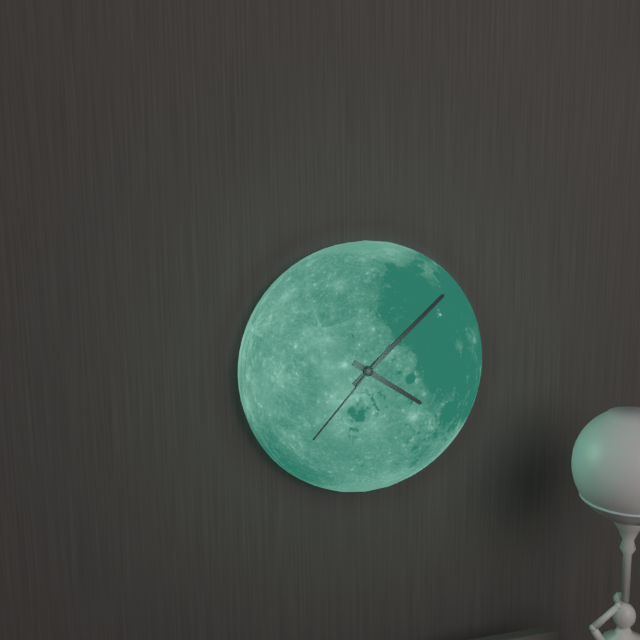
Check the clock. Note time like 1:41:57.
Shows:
4:08:37
